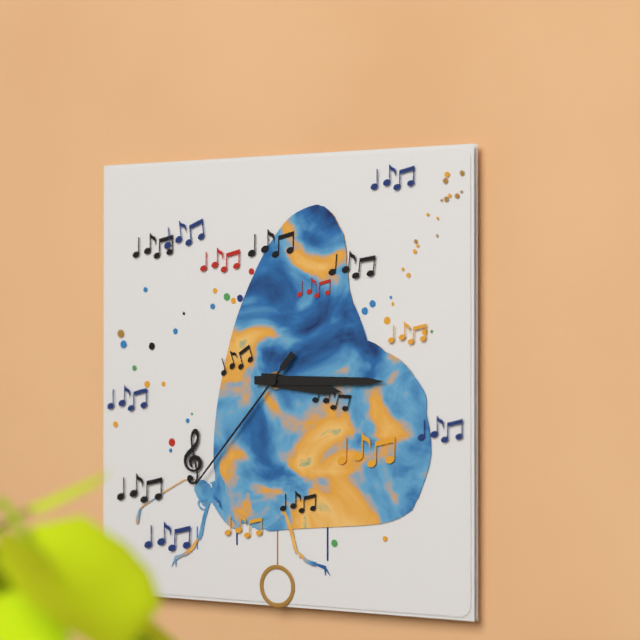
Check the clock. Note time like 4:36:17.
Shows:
3:15:37
